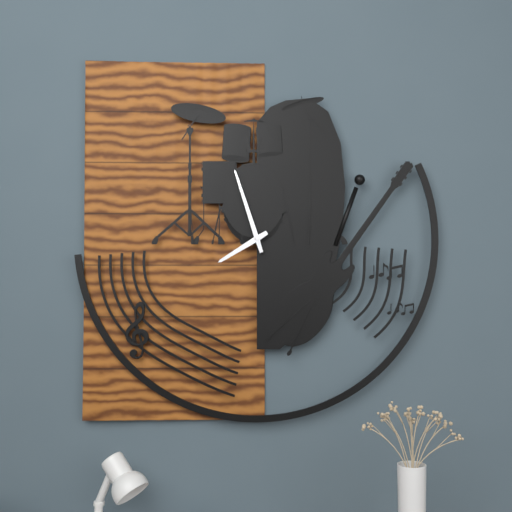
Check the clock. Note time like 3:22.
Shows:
7:57
